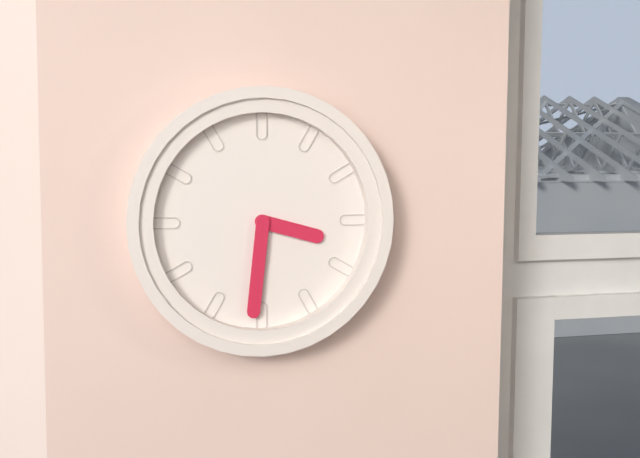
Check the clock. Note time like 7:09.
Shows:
3:31
